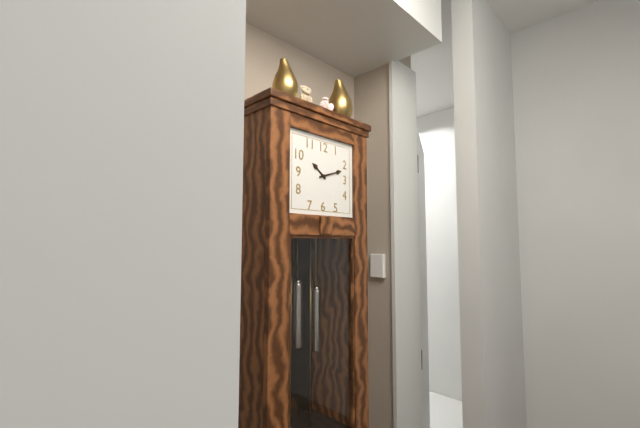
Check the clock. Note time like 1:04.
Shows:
10:12
